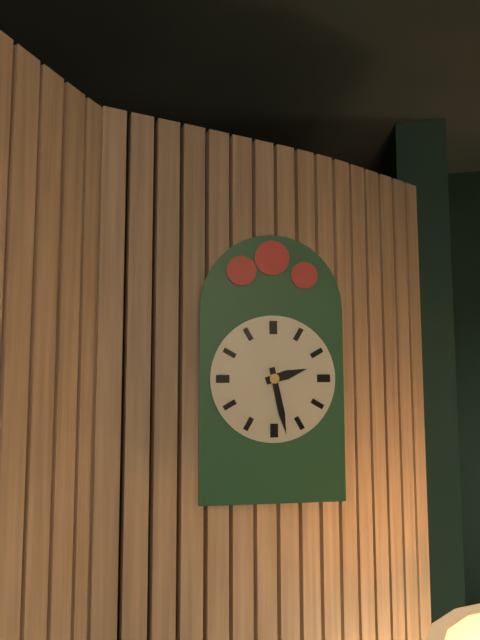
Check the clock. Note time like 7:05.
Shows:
2:28
